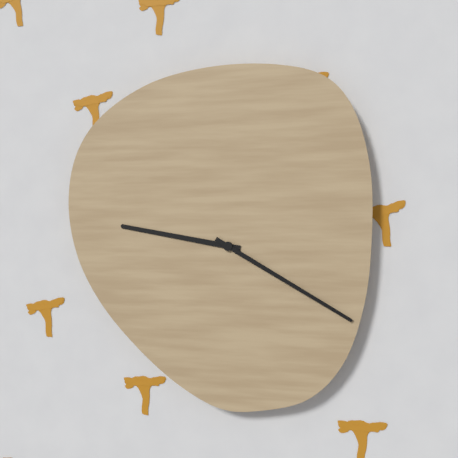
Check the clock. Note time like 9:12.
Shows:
9:20
